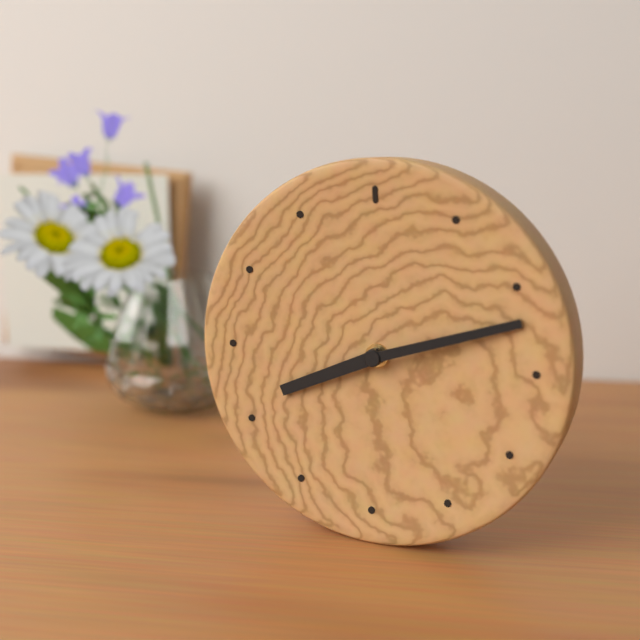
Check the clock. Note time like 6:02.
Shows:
8:12
